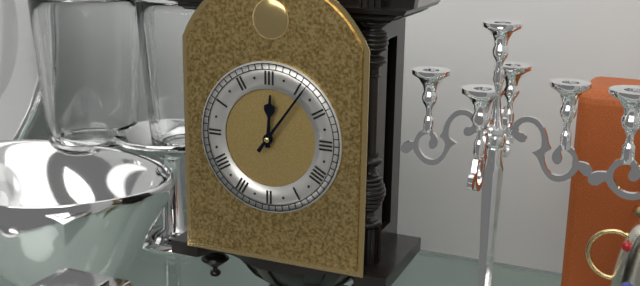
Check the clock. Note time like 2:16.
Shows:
12:06
